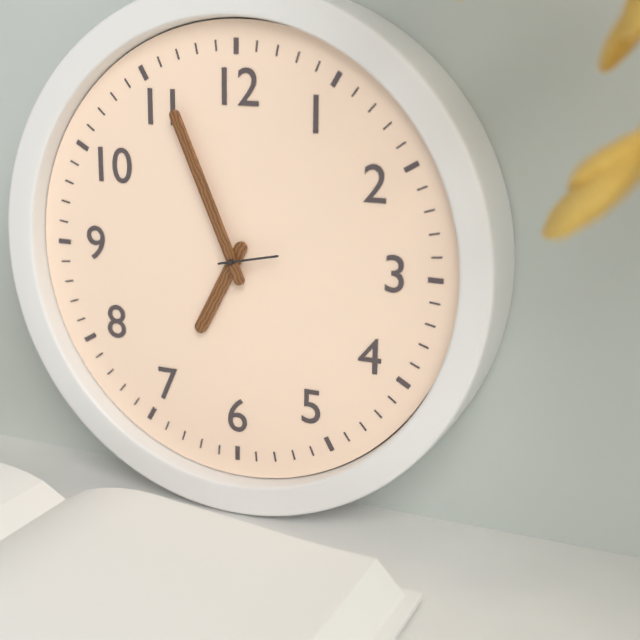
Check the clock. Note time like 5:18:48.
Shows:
6:56:13
